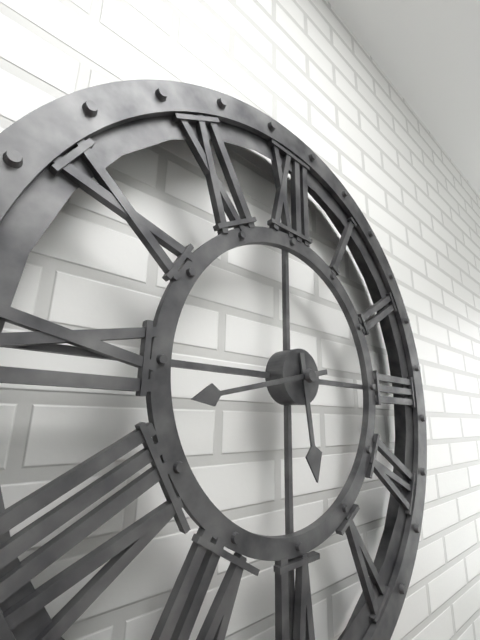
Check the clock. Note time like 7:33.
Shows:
5:43
